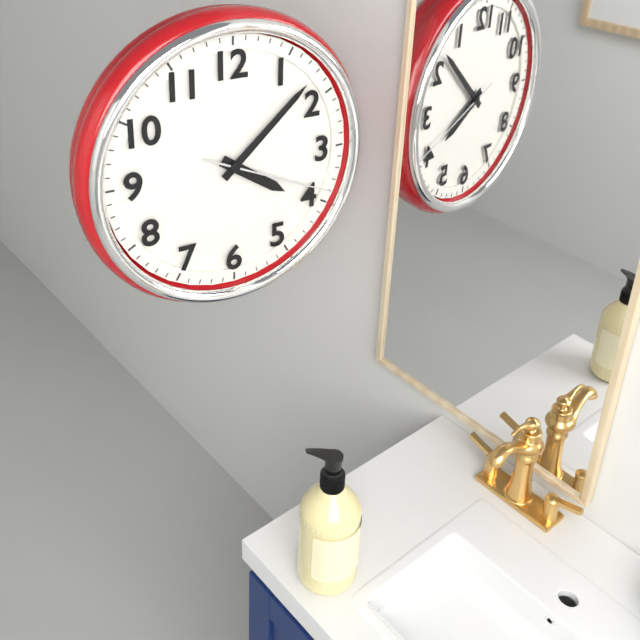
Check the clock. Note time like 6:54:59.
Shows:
4:08:19
